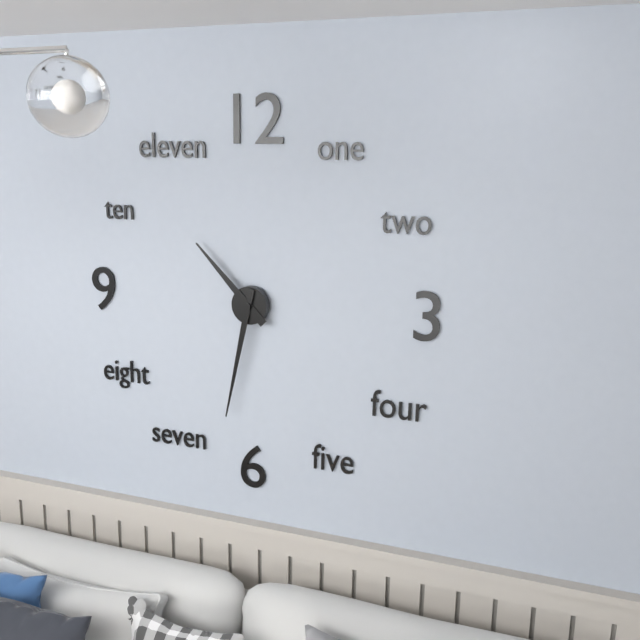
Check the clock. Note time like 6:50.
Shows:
10:32
